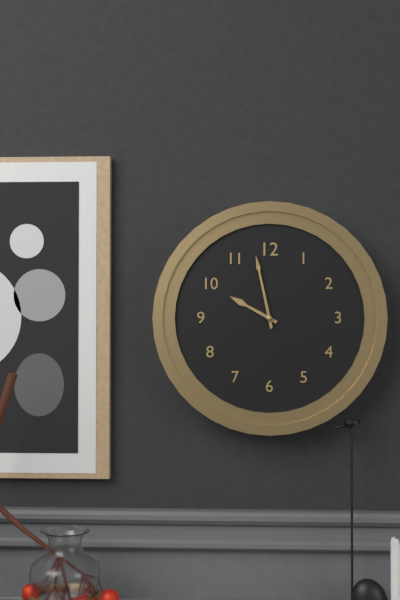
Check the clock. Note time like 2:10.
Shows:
9:58
